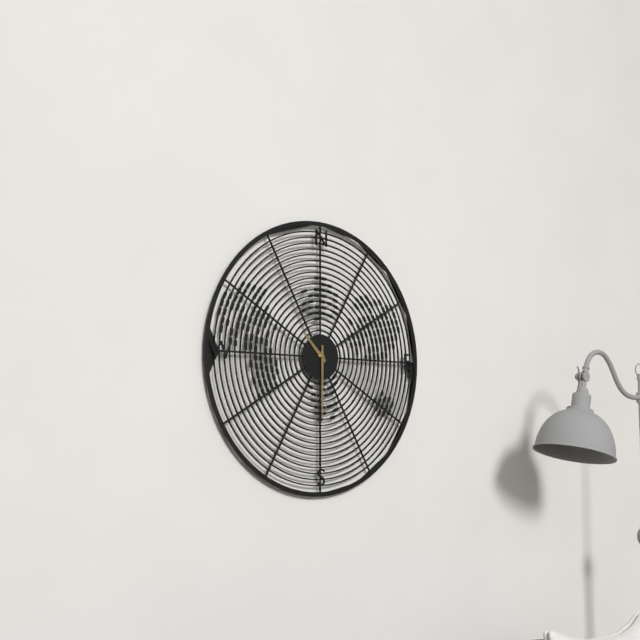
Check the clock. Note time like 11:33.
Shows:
10:30
